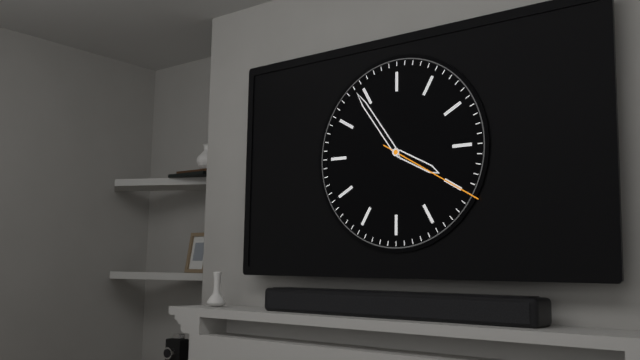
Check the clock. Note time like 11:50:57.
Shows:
3:54:20
